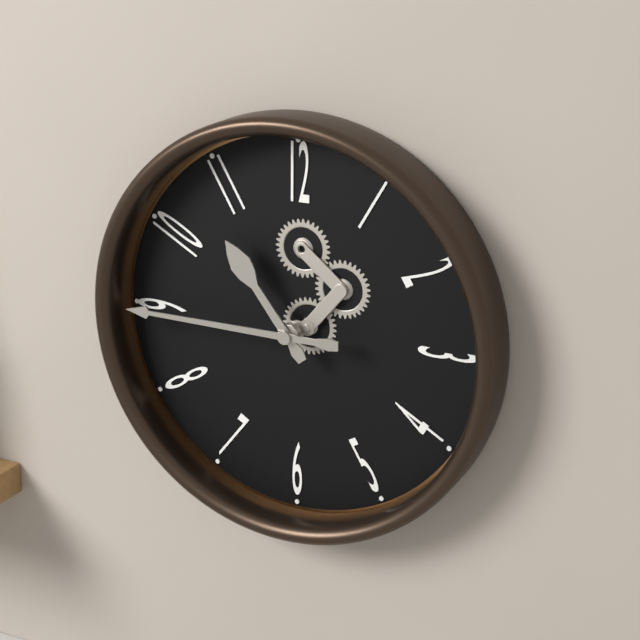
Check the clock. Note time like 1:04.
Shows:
10:45
